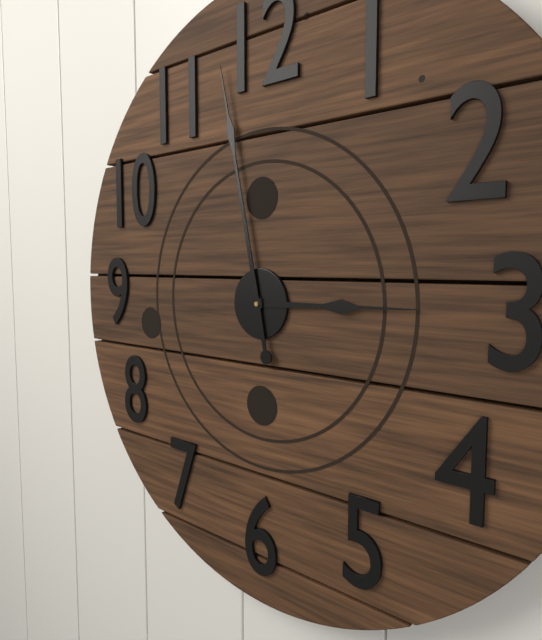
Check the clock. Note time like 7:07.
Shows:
2:58
